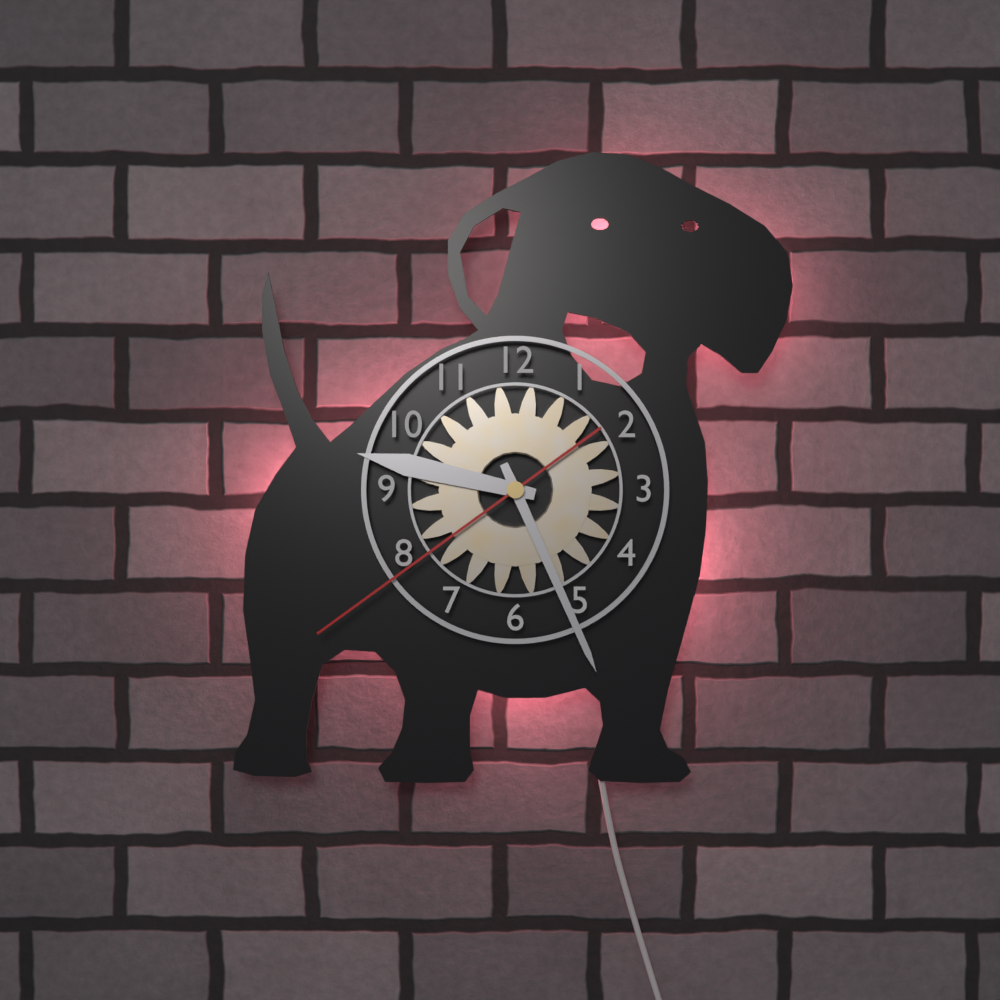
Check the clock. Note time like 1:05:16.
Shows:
9:26:39
